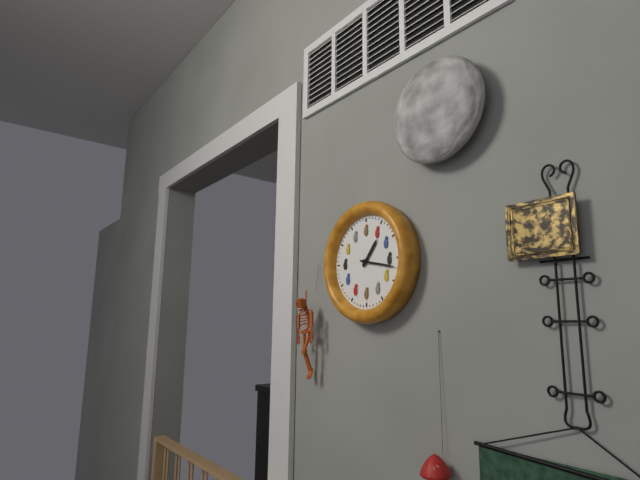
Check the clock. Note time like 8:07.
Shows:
1:17
